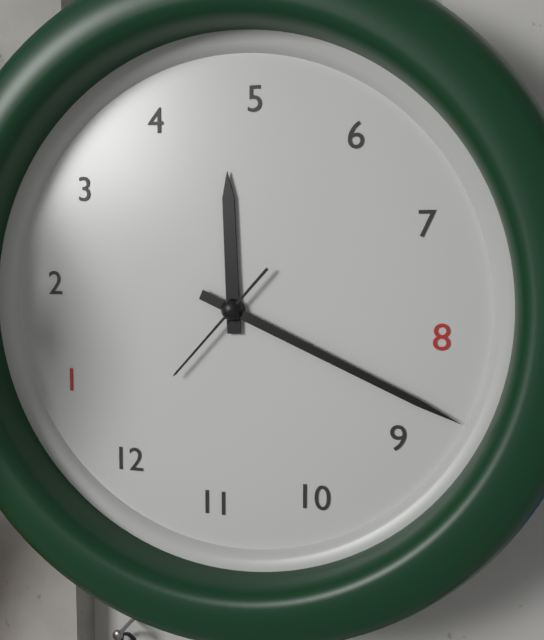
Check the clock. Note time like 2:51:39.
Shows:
4:43:01
